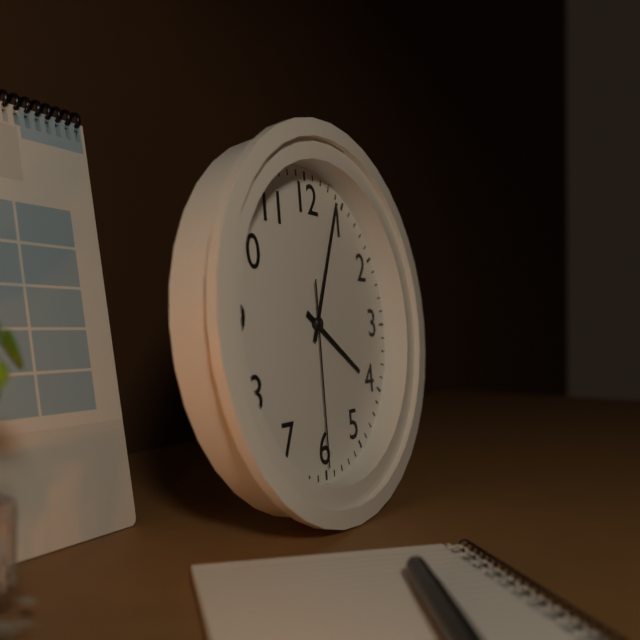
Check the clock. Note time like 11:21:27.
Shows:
4:04:30
